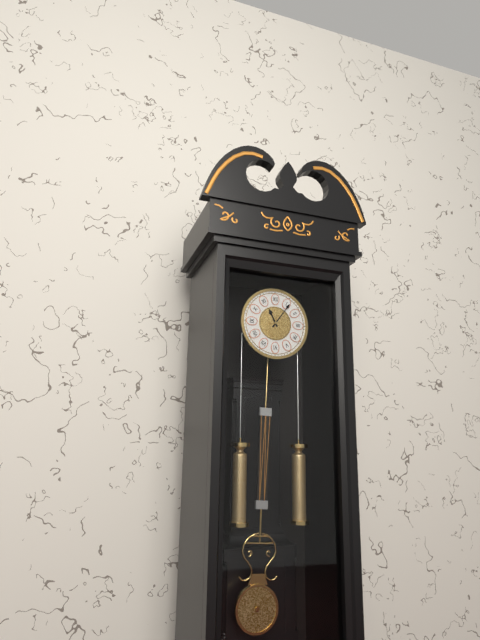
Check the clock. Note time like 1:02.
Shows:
11:06
